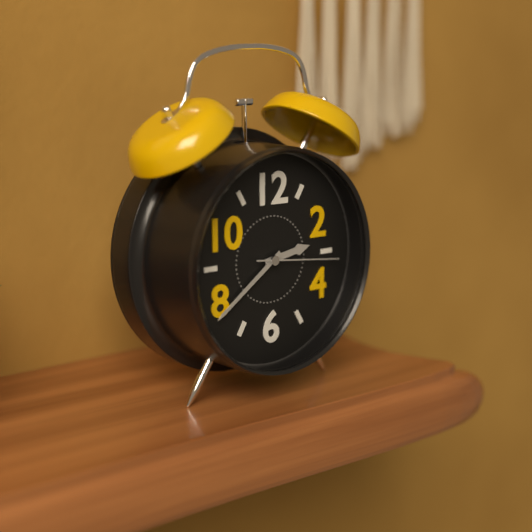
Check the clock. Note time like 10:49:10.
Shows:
2:39:16
